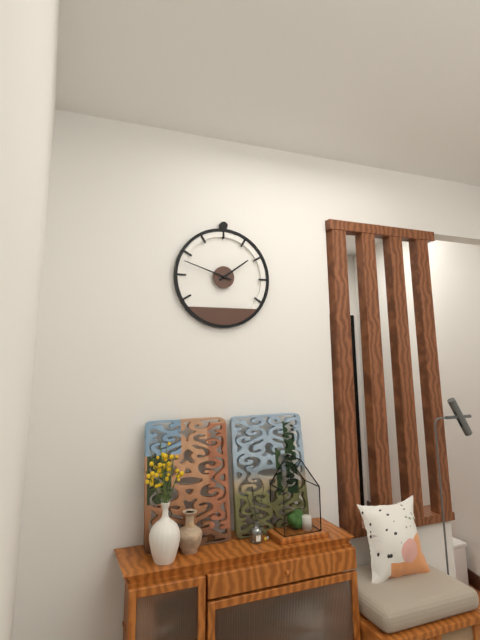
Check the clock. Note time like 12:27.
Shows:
1:48
